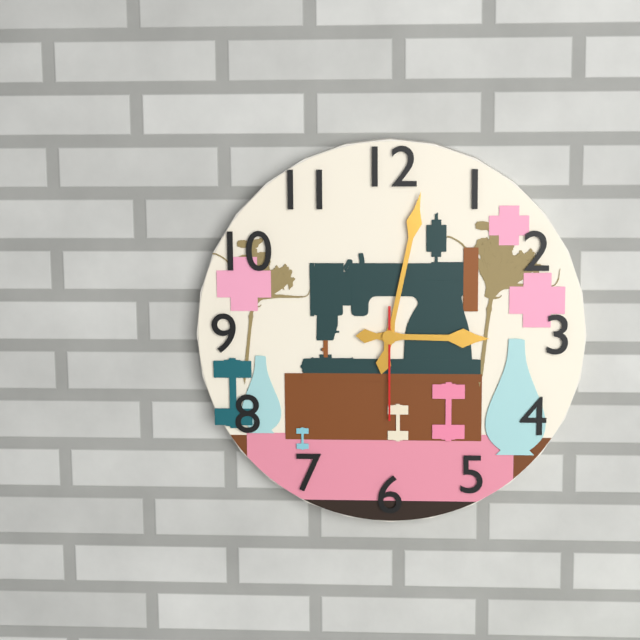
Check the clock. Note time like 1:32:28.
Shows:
3:02:30
